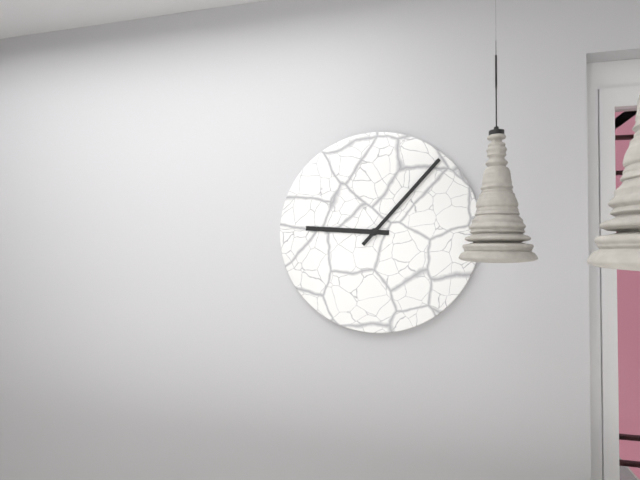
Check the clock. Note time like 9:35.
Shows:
9:07
